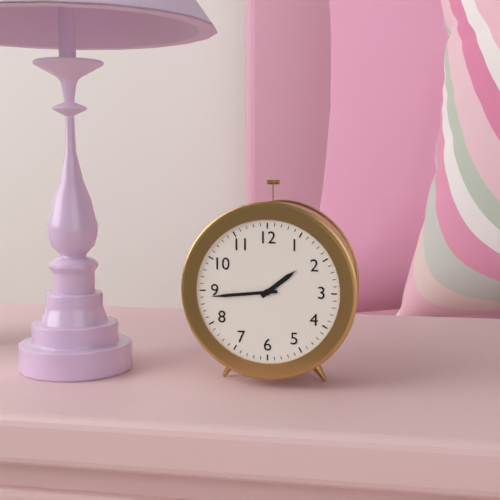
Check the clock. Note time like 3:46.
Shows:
1:44
